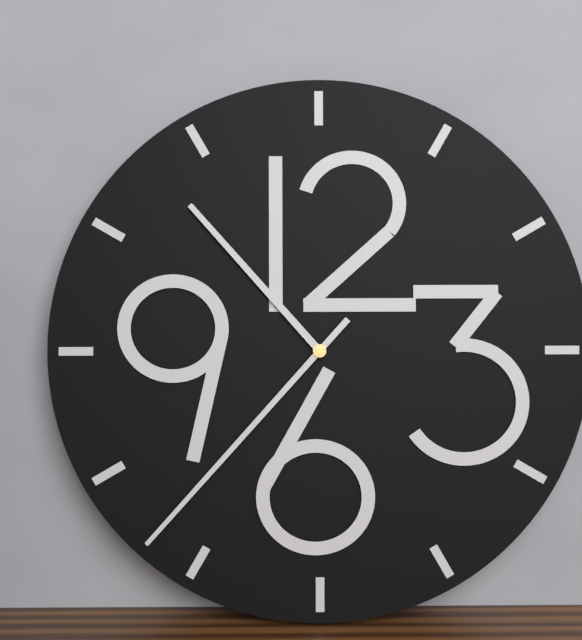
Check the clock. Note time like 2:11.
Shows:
10:37
